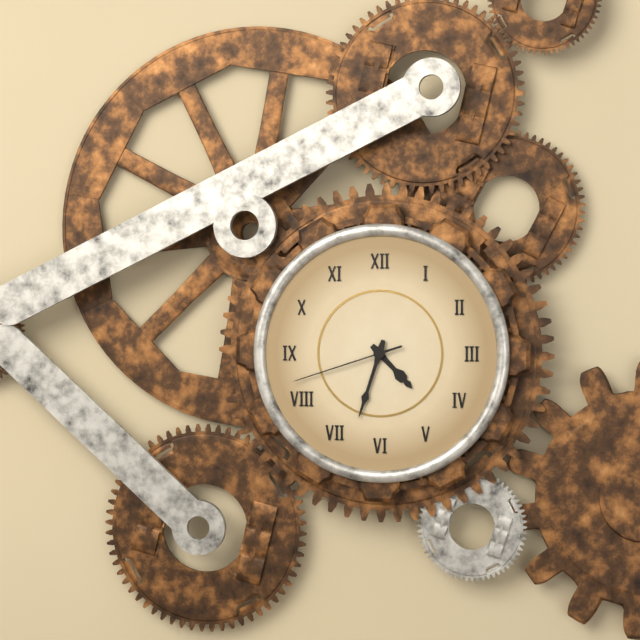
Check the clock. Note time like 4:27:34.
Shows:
4:33:42
